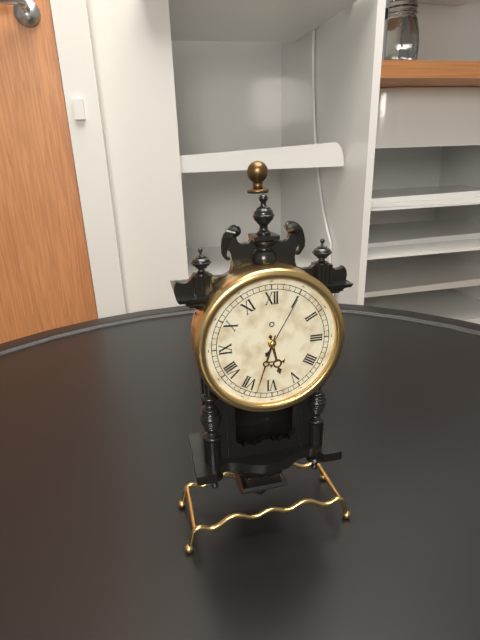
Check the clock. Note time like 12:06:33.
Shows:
5:33:05
